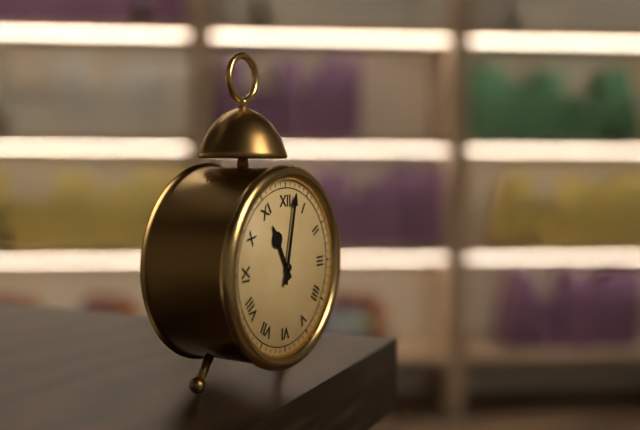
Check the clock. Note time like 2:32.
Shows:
11:02
